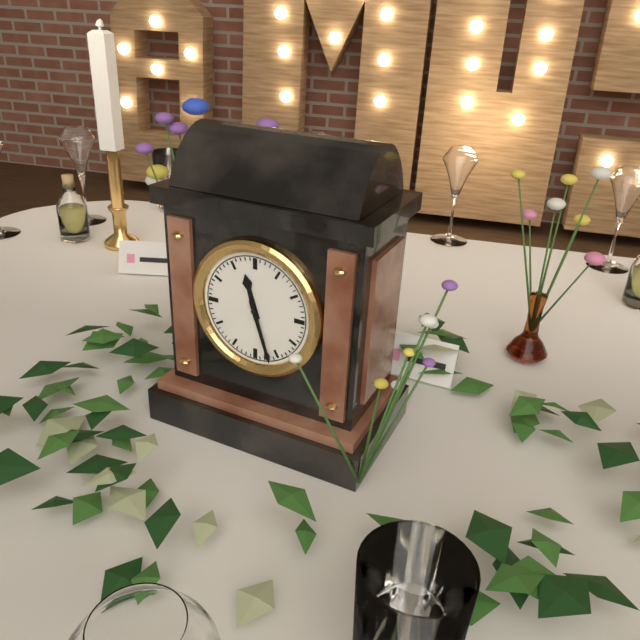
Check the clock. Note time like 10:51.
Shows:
11:27
